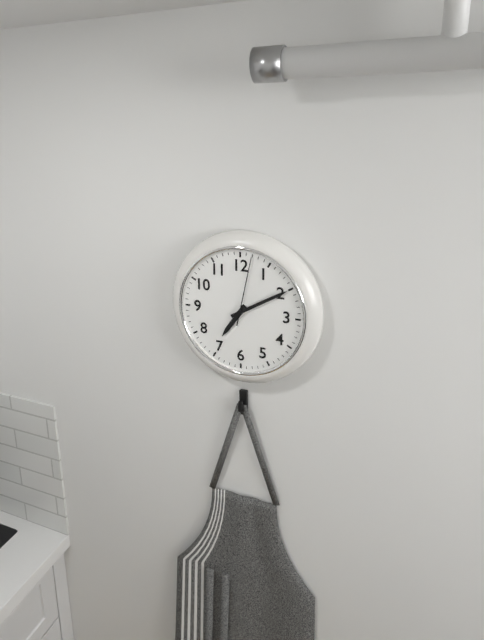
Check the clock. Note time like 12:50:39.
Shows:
7:10:02
